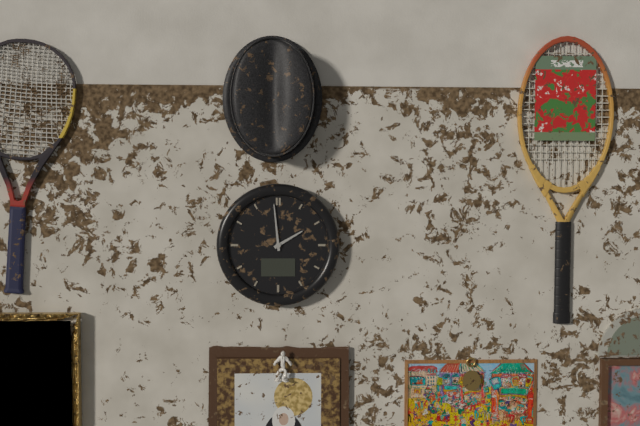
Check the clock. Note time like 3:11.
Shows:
1:59
